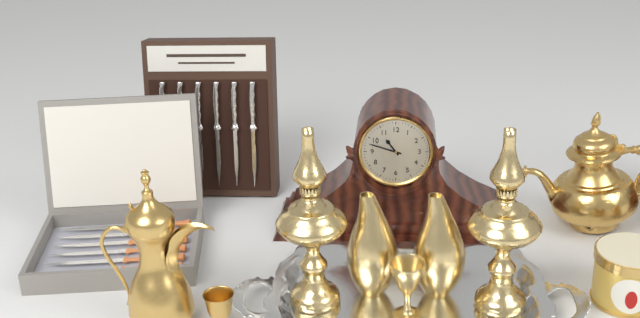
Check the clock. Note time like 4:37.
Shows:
10:48
